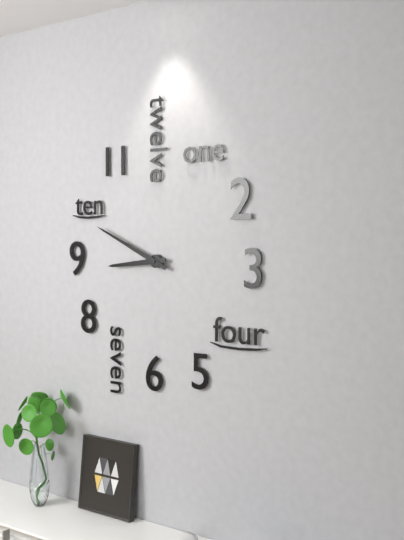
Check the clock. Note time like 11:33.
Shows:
8:49
